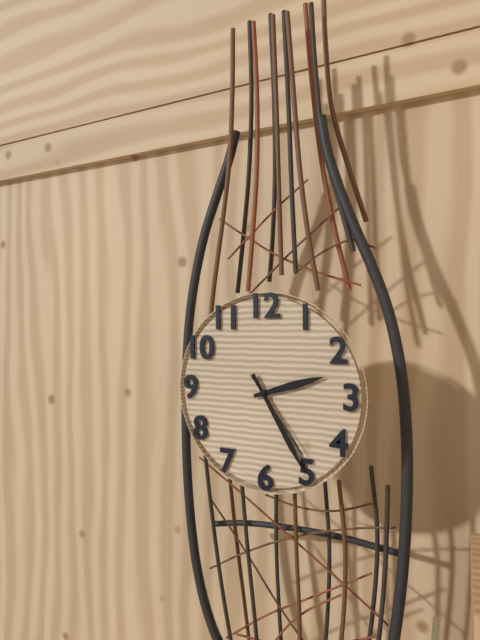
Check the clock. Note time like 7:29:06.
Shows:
2:25:24
